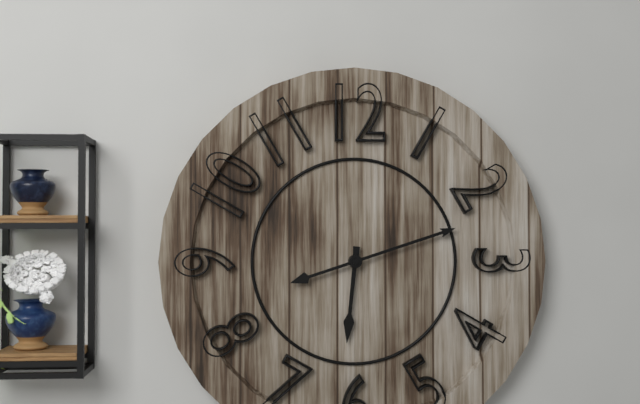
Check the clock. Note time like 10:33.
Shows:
6:12
